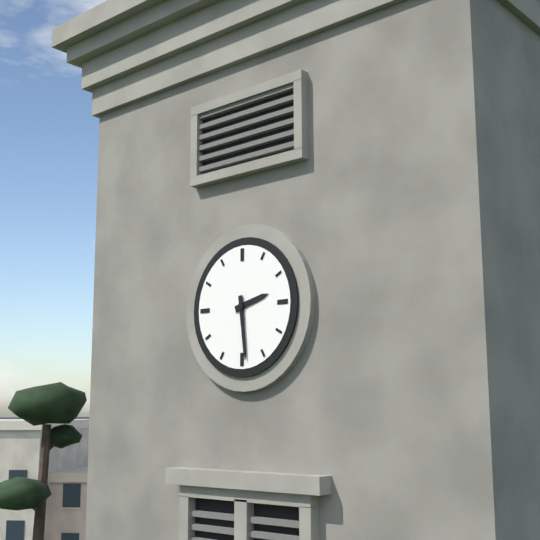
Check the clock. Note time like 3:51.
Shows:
2:29
